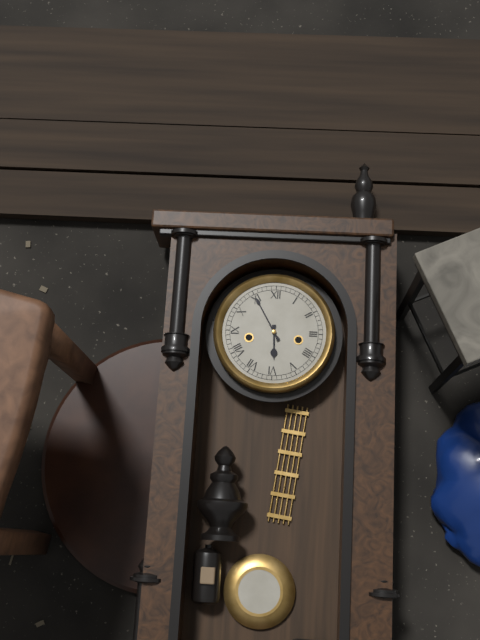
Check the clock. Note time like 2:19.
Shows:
5:55
